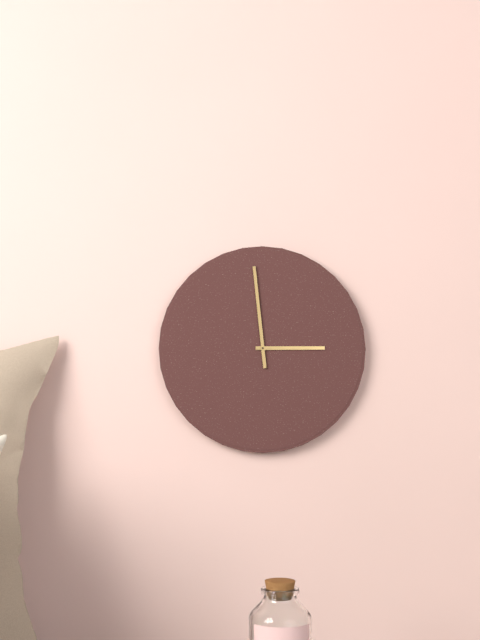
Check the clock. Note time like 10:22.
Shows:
2:59
